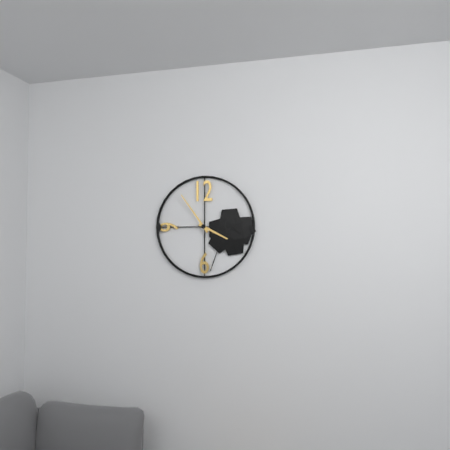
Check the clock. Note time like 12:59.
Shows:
3:54
